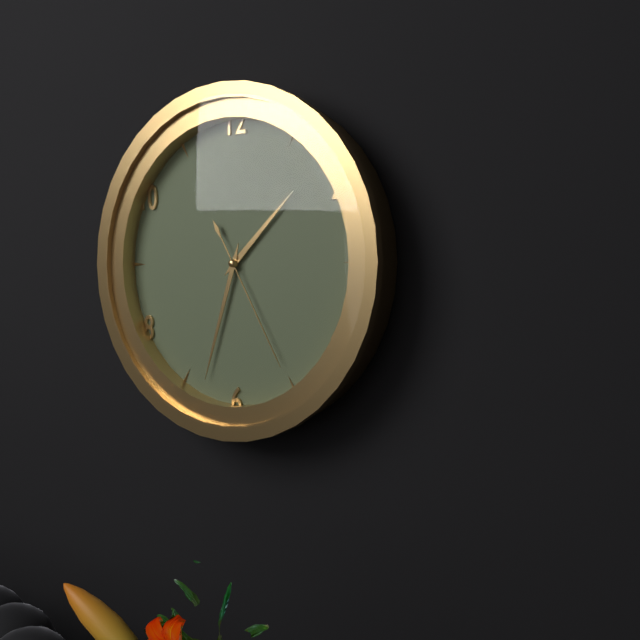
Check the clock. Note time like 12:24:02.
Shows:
1:33:25
